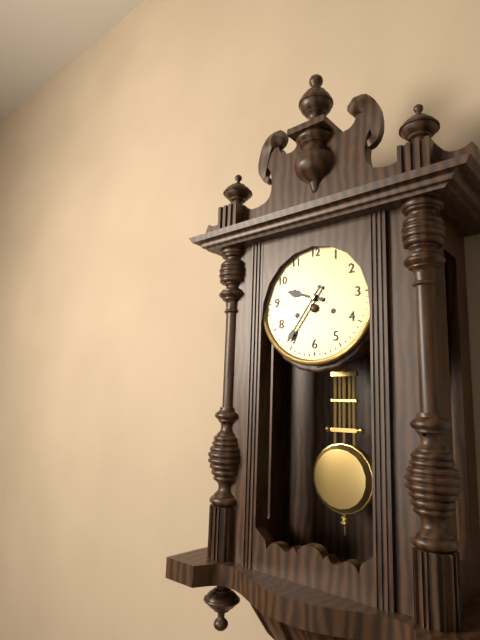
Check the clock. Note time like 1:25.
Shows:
9:36
